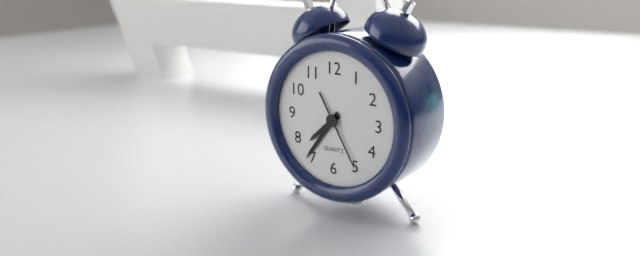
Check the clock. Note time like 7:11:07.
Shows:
7:36:25
